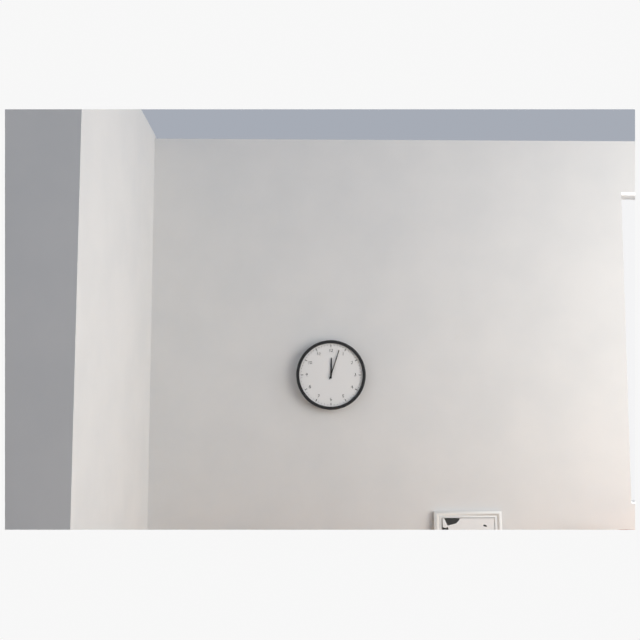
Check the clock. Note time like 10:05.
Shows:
12:03
